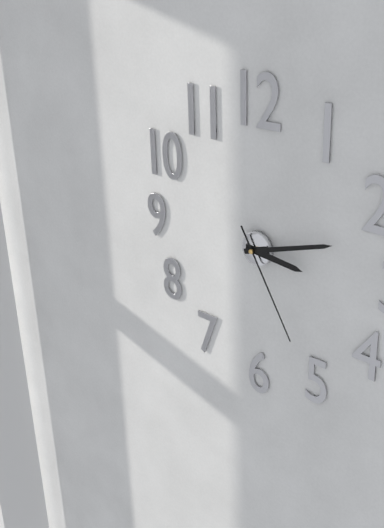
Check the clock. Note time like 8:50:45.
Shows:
3:12:25
